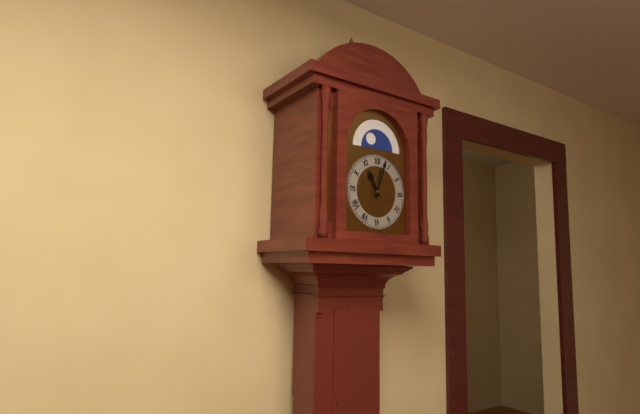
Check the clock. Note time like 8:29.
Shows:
11:03
